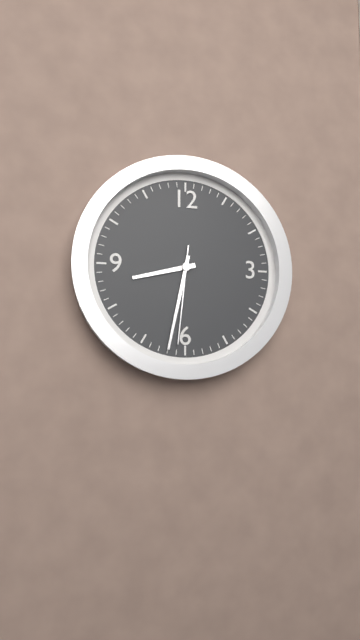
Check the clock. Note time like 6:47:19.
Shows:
8:32:31
